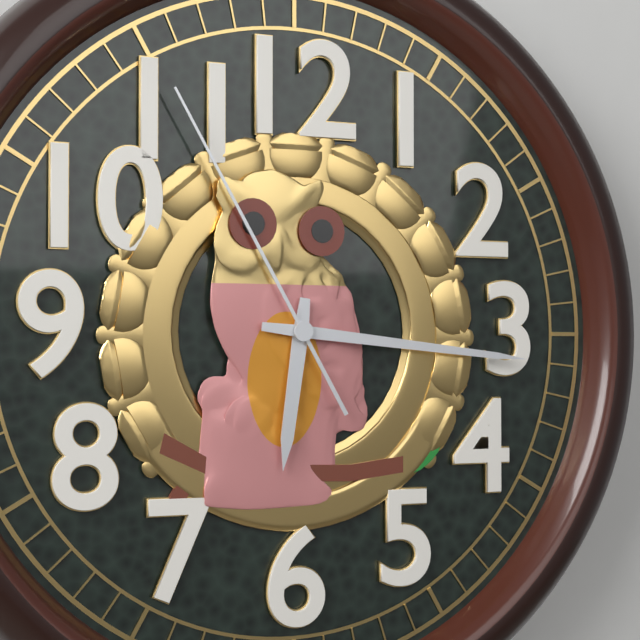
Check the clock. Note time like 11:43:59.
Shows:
6:16:55
